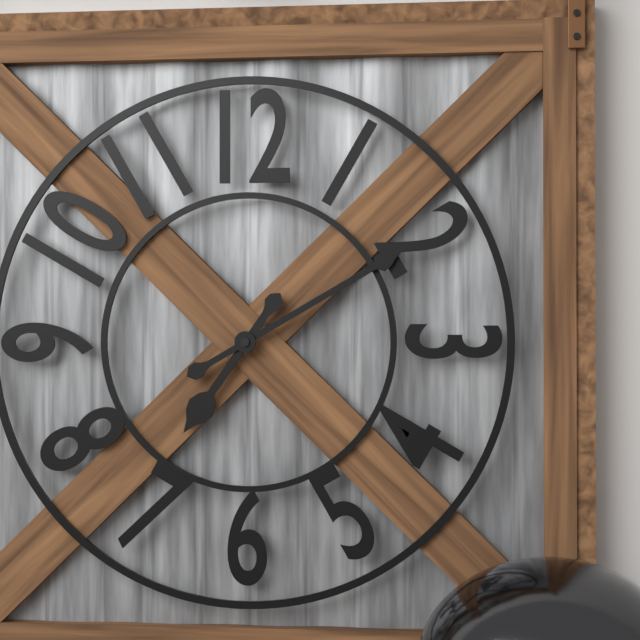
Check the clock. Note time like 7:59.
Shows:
7:10
